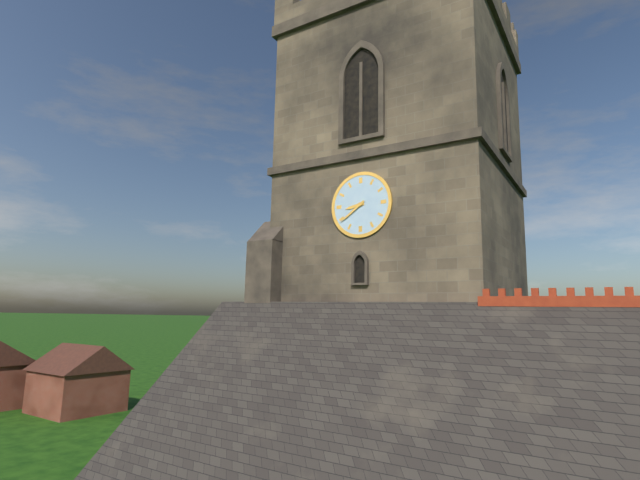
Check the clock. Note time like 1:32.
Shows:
8:39
